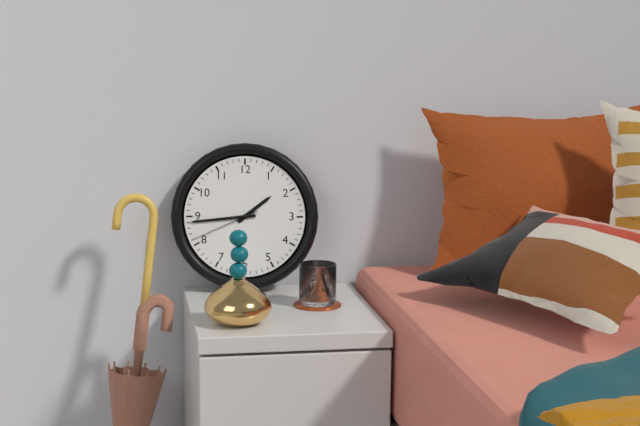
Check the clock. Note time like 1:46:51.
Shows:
1:44:41
